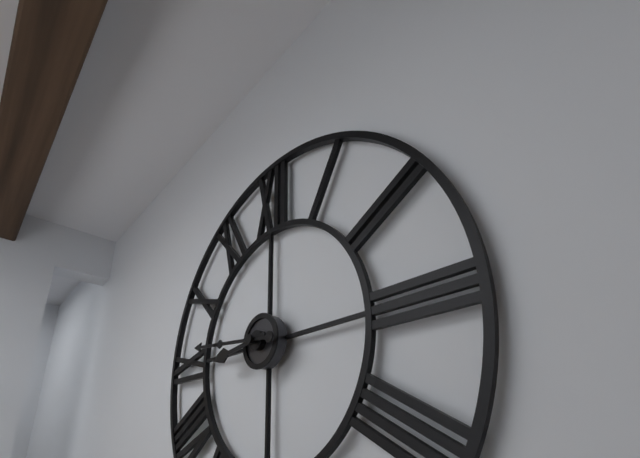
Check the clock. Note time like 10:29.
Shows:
8:46
